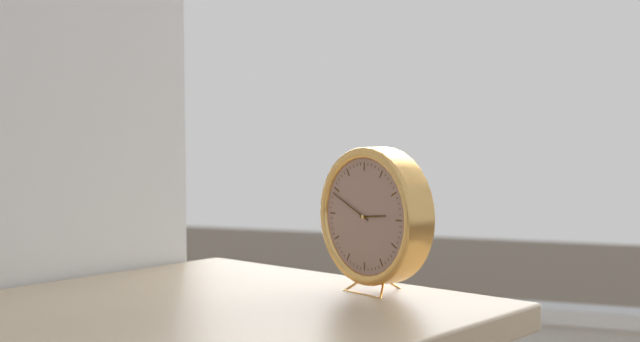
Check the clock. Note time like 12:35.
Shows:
2:49
